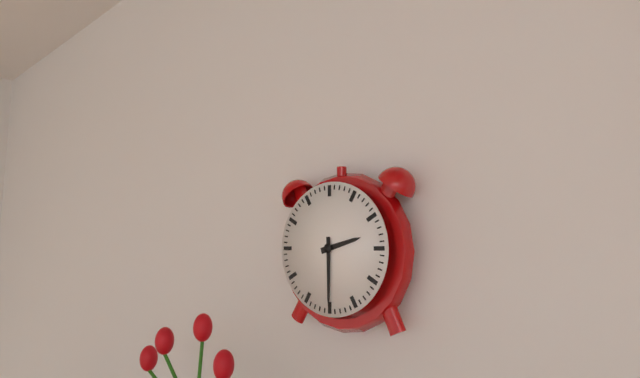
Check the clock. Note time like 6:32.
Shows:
2:30
